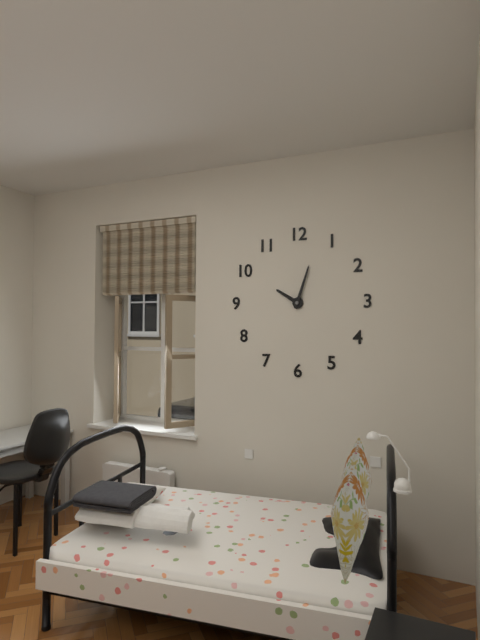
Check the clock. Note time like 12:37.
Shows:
10:03
